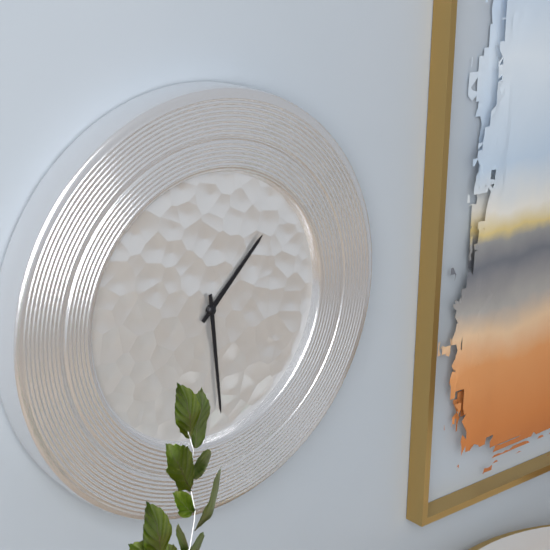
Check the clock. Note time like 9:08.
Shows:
1:29
